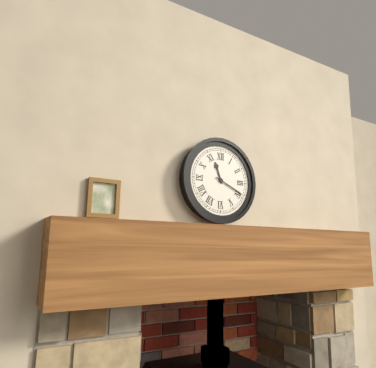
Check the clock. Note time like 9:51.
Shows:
11:19
